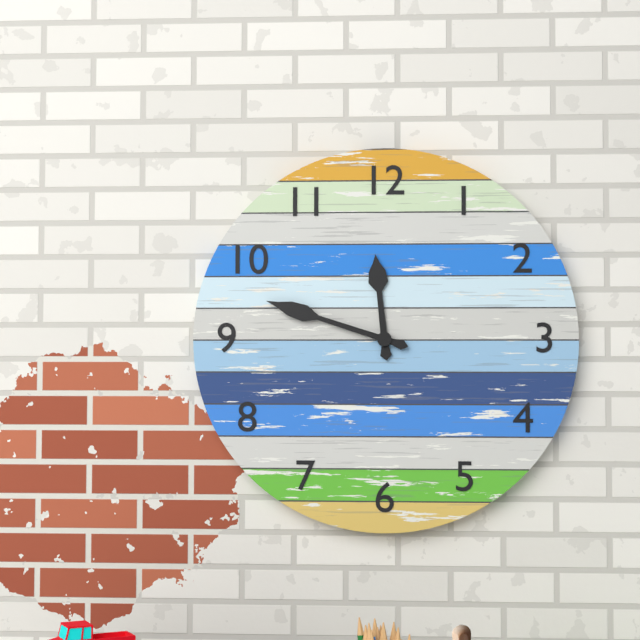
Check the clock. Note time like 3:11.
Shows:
11:48
